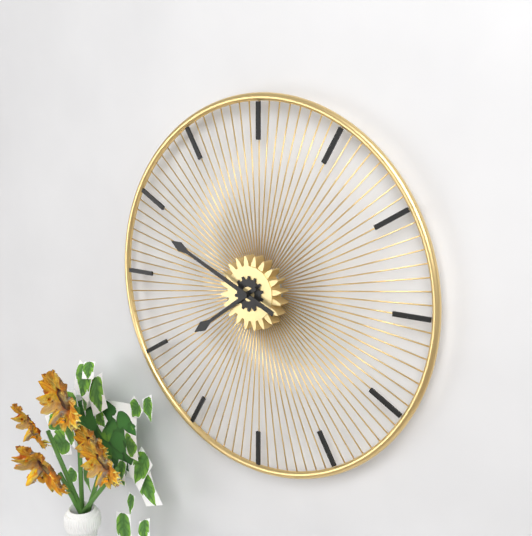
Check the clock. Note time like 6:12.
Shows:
7:49
